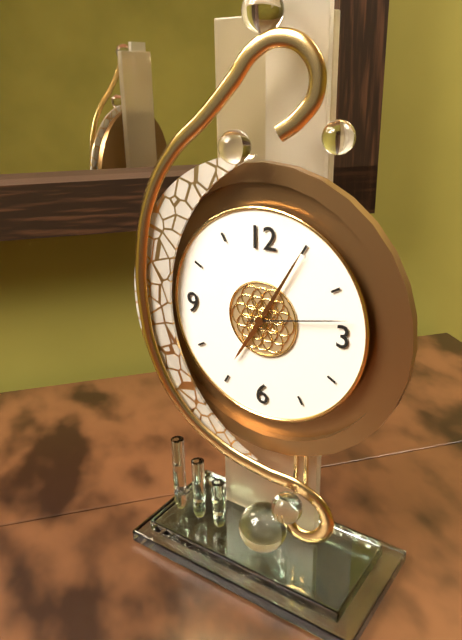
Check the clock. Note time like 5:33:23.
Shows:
7:05:13
